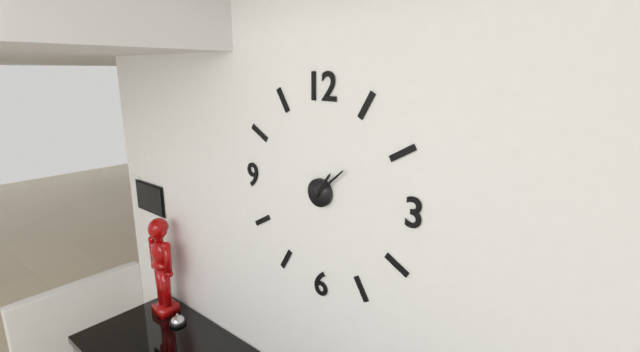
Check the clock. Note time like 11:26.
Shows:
1:08
